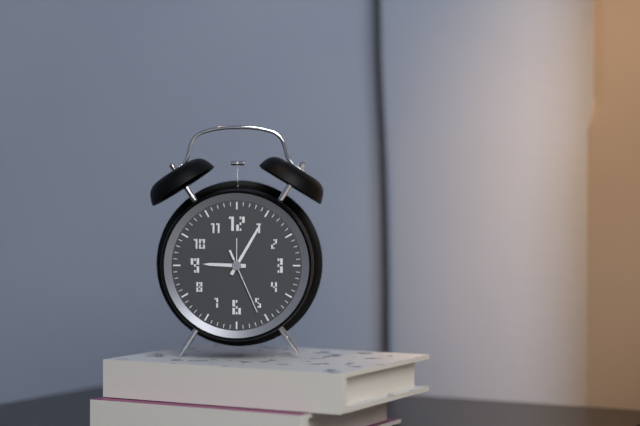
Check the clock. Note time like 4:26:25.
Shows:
9:05:26
